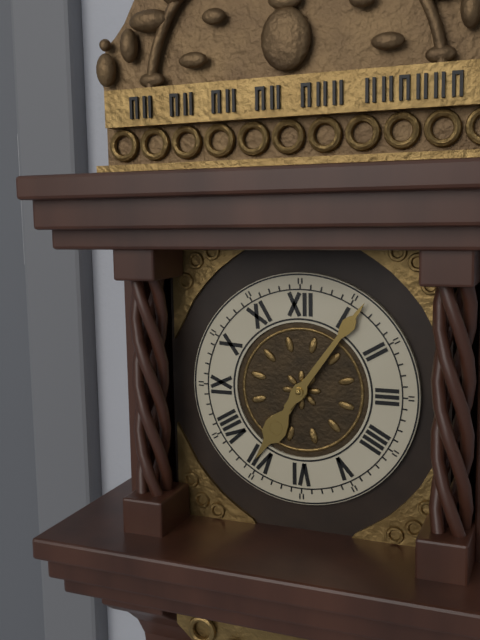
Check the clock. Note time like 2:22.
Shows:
7:06
